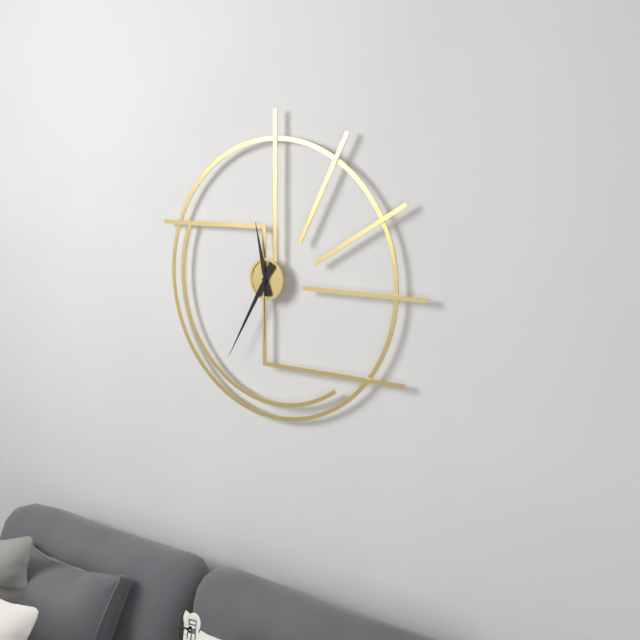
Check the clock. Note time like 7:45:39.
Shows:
11:35:30
